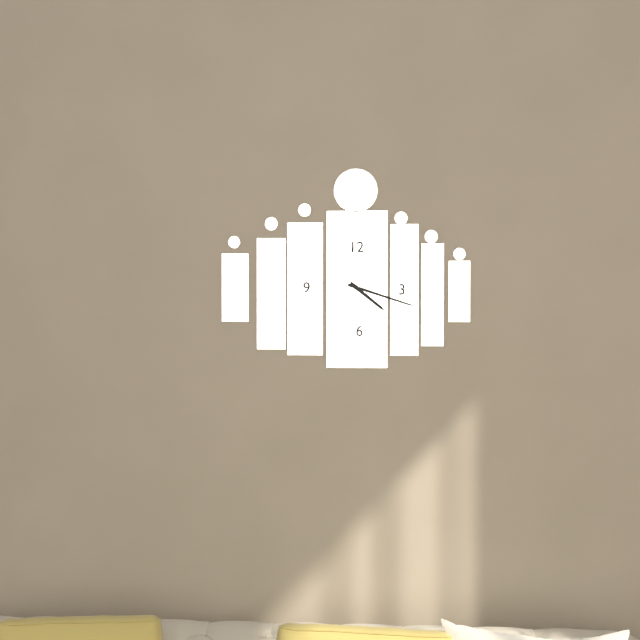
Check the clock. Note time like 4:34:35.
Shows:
4:18:59
